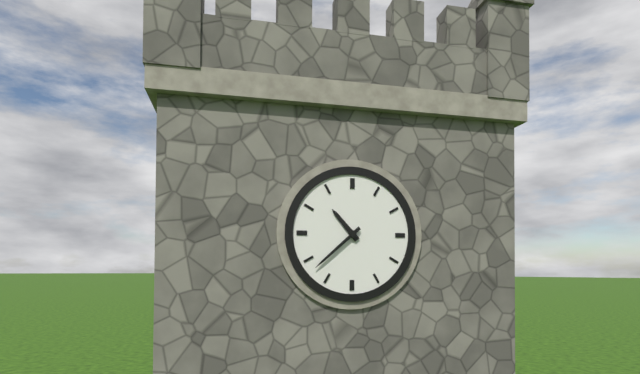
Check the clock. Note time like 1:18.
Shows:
10:38
